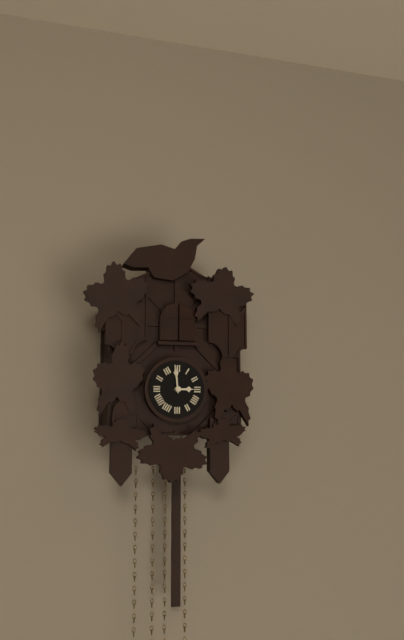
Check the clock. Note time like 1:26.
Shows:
2:59
